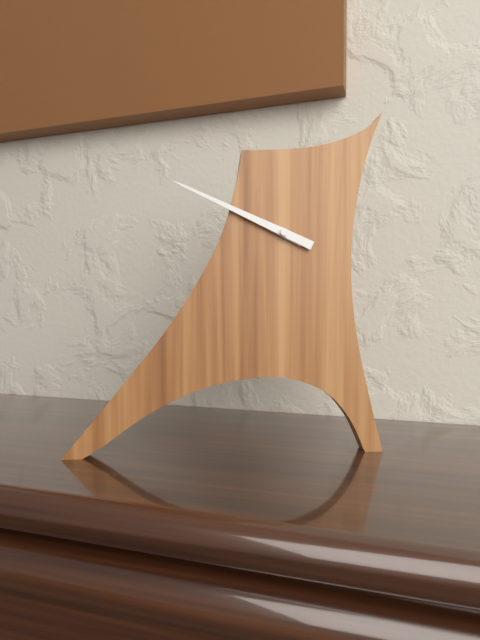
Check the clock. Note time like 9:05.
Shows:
9:49
